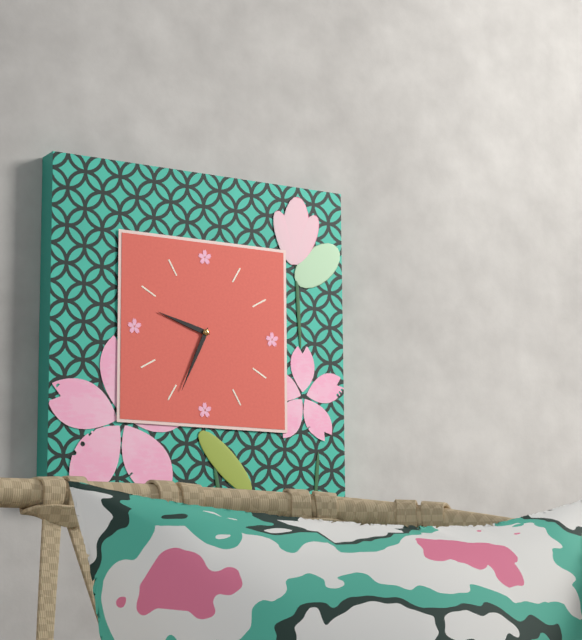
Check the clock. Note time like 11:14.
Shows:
9:34
